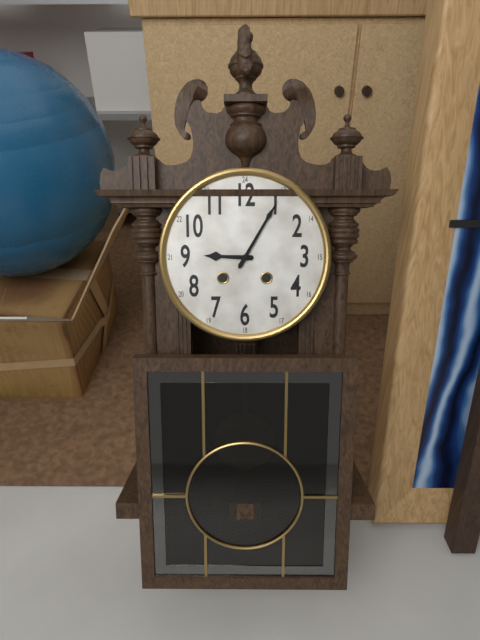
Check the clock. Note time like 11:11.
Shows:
9:05
